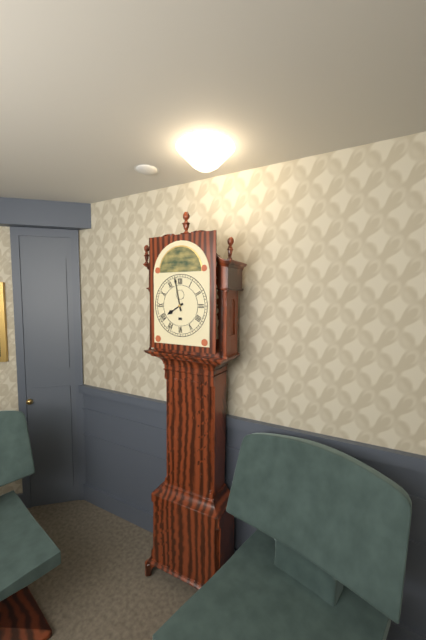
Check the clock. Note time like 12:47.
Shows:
7:58
